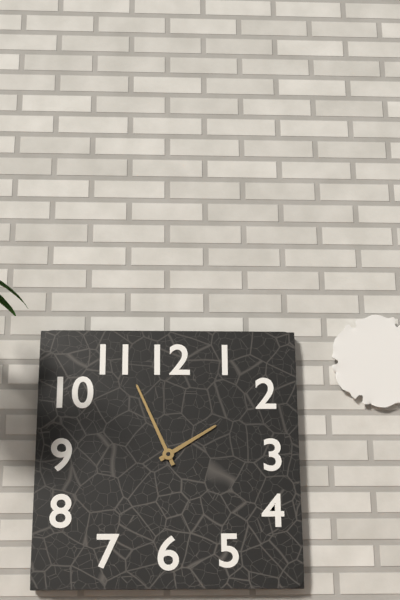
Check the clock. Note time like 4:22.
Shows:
1:56
